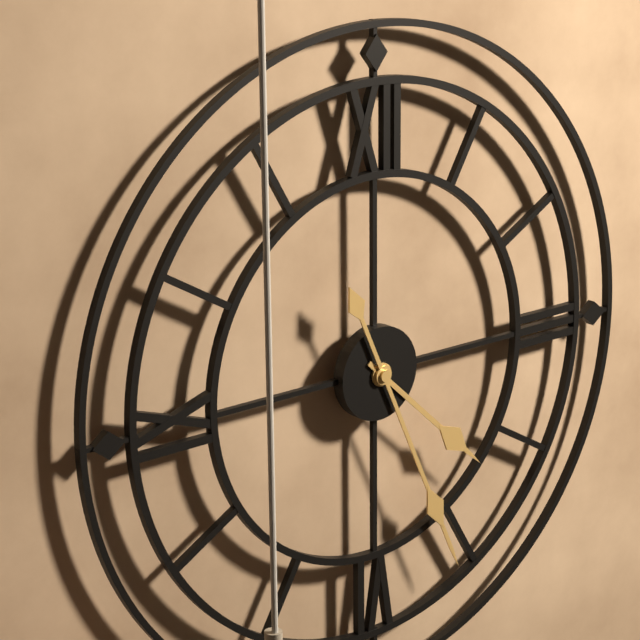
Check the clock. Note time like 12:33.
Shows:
4:26
